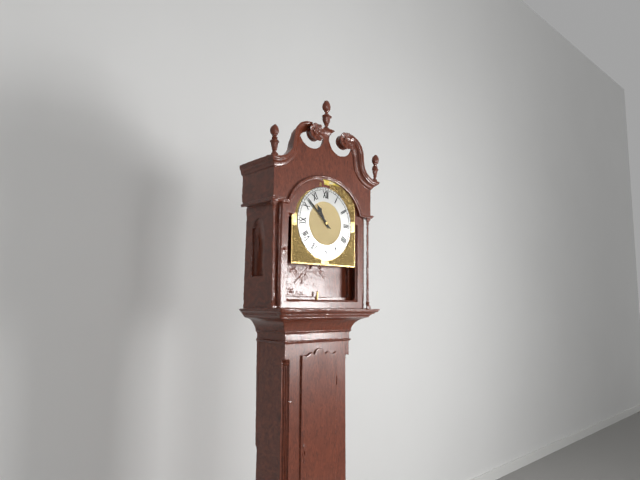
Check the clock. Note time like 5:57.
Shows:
10:52
